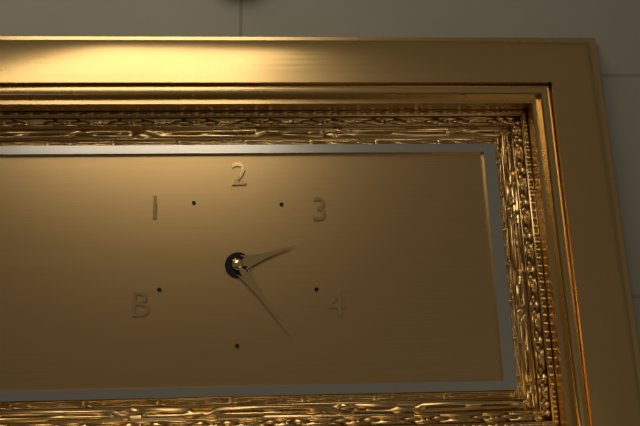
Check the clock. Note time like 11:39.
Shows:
2:24
